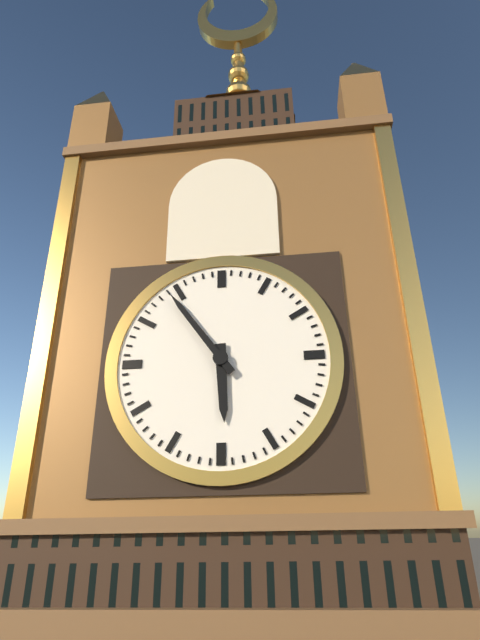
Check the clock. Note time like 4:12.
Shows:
5:54
